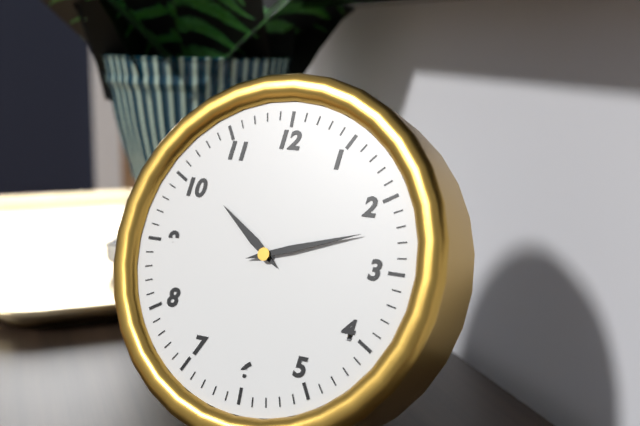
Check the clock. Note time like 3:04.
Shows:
10:12
